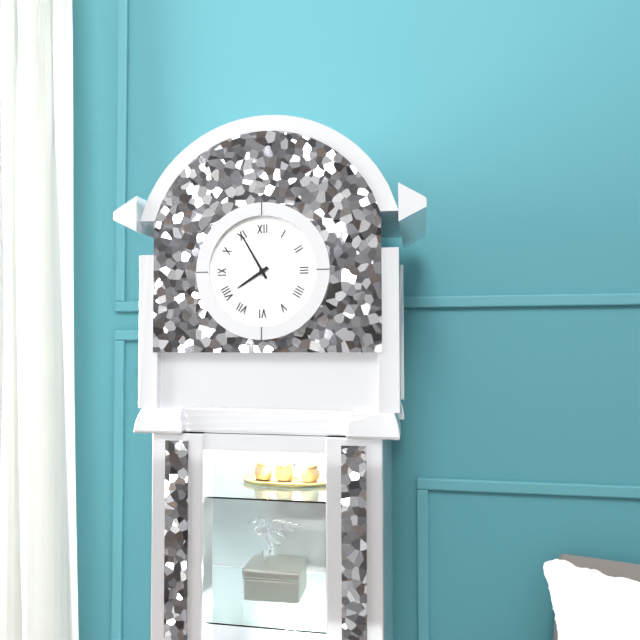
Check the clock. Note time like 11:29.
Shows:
7:55
